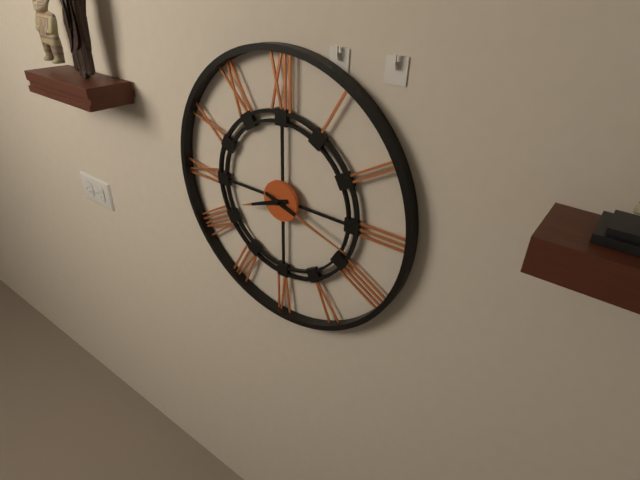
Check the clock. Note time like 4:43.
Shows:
8:18
